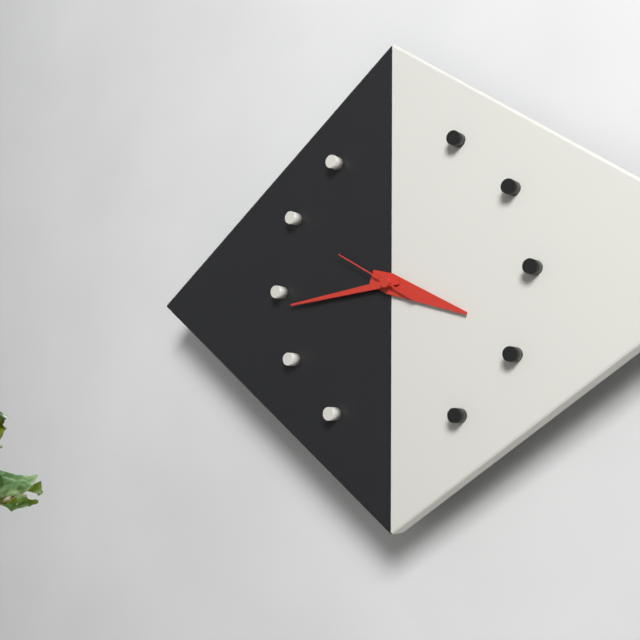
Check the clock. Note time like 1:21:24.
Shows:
3:44:50
